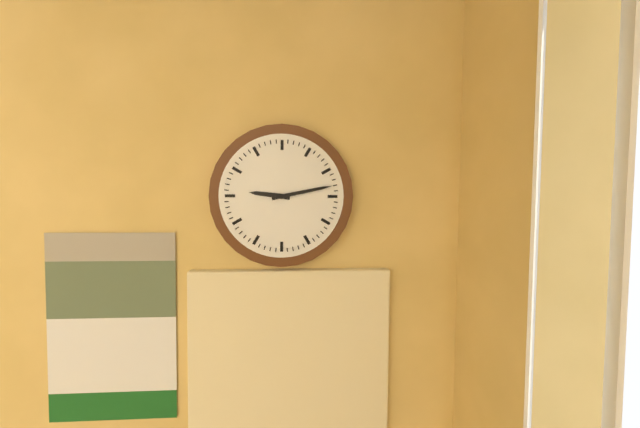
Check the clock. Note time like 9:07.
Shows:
9:13
